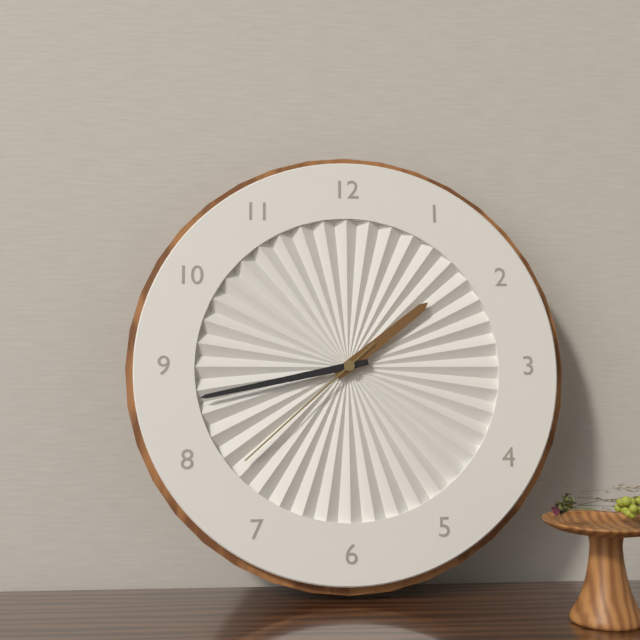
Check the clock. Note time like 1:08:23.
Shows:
1:43:38
